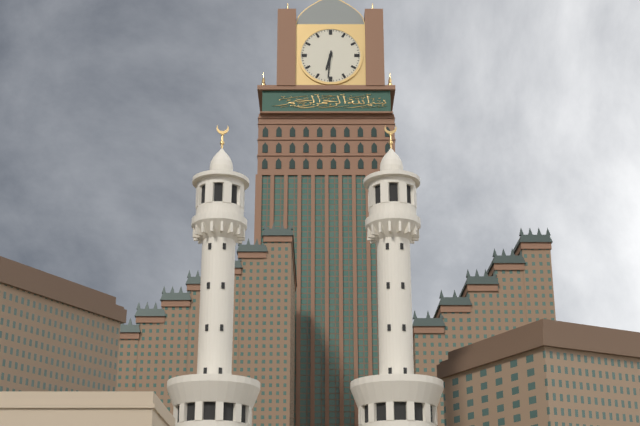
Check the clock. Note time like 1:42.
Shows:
6:31
